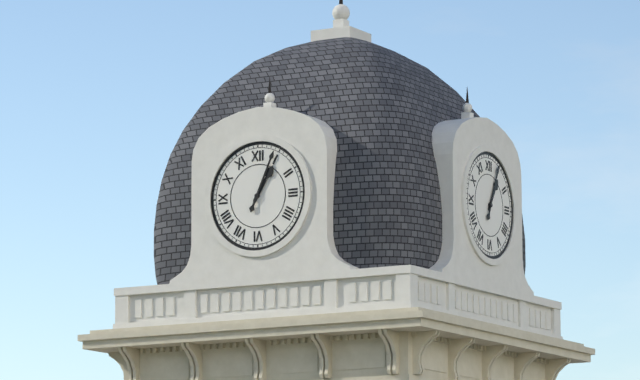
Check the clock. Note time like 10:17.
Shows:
1:04
